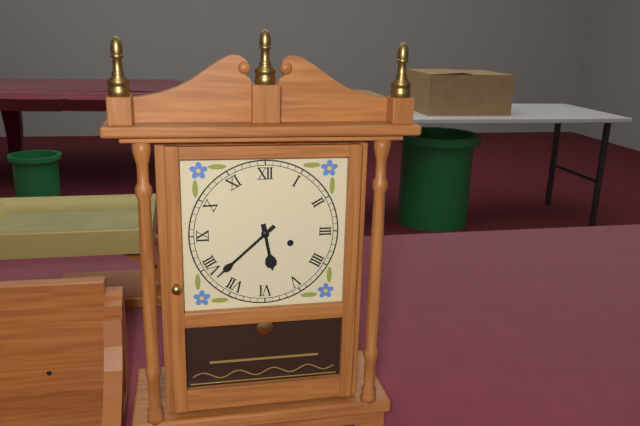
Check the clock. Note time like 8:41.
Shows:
5:38
